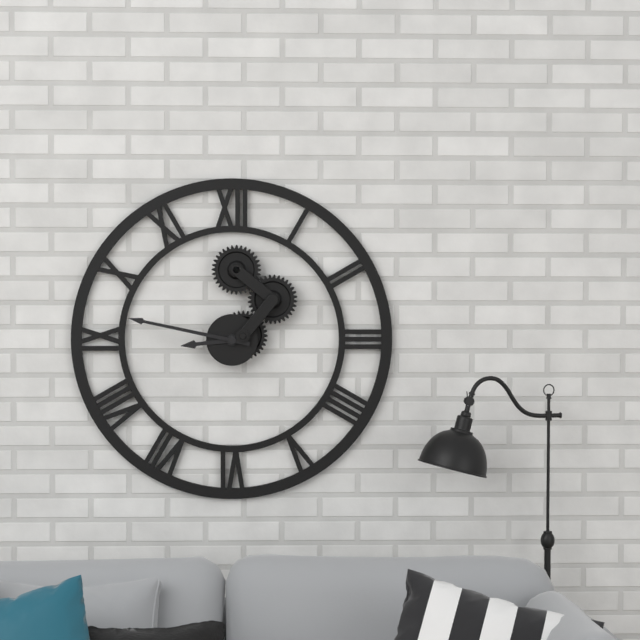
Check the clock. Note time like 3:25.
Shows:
8:47
